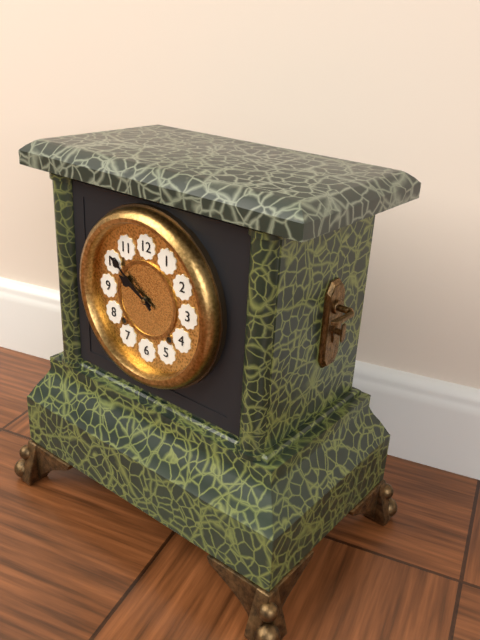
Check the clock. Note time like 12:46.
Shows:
9:51
